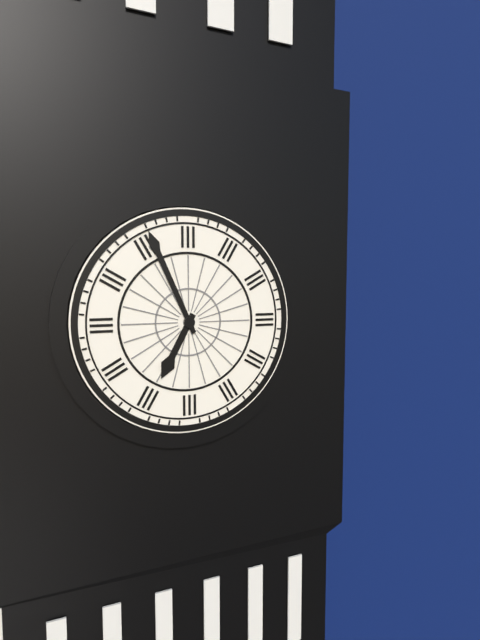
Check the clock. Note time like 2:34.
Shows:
6:56
